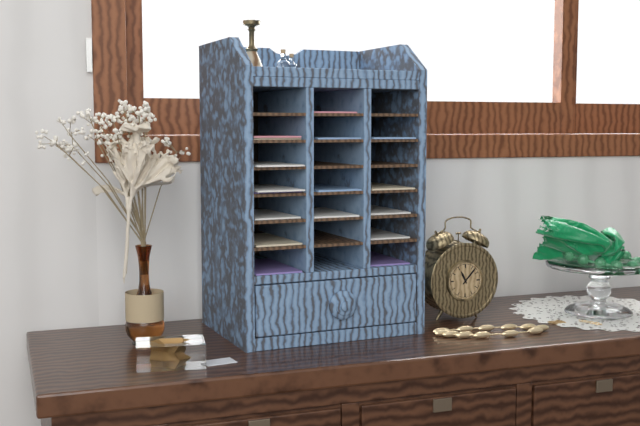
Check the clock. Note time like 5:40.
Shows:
11:07
